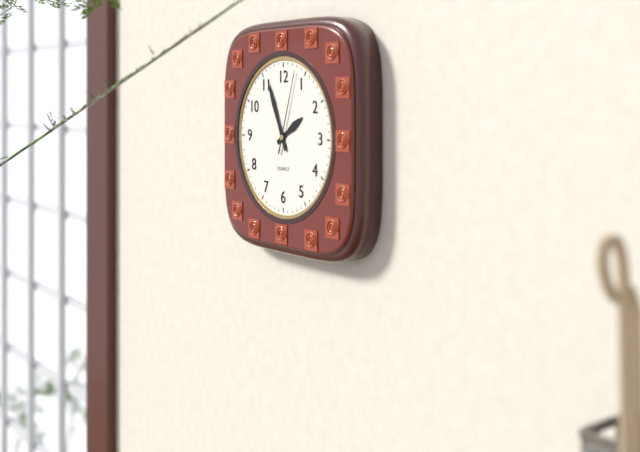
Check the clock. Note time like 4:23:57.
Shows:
1:56:03
